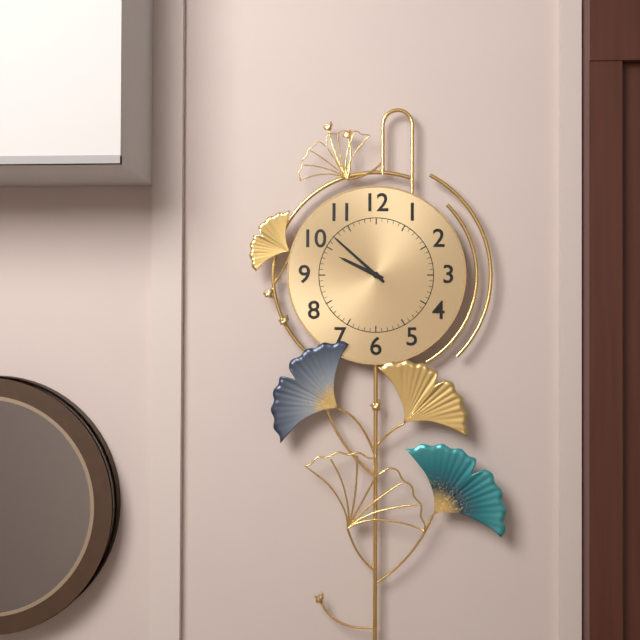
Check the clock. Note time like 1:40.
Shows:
9:52
